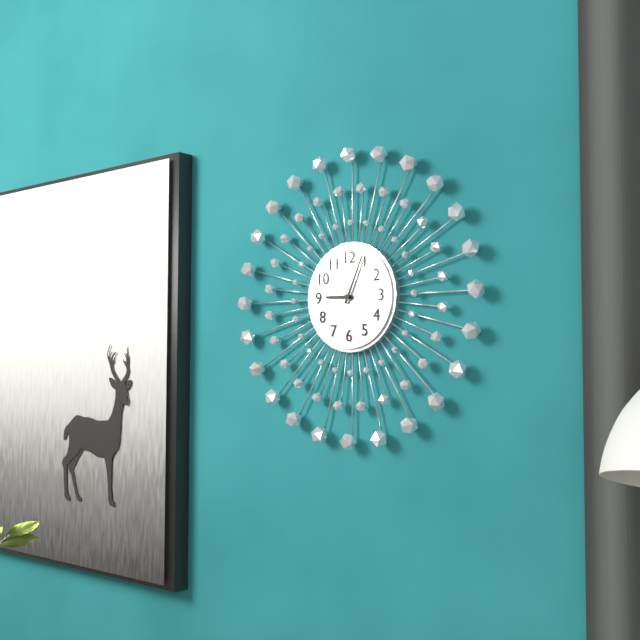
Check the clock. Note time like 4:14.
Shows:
9:04
